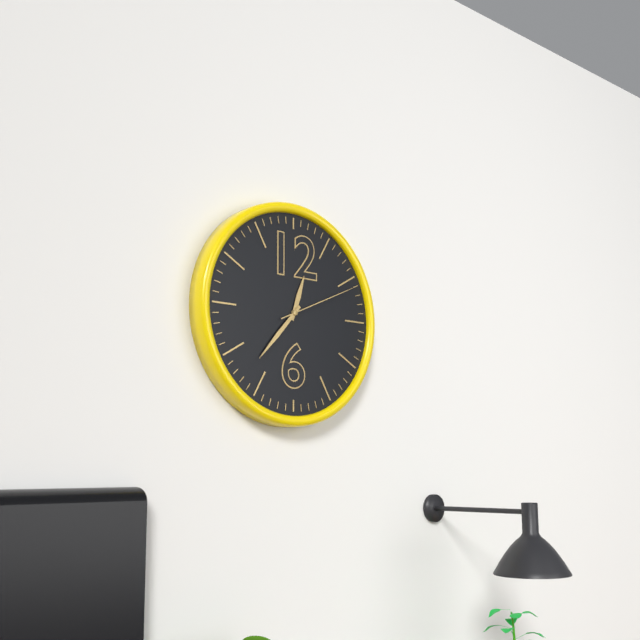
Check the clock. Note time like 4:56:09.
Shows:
12:37:11
